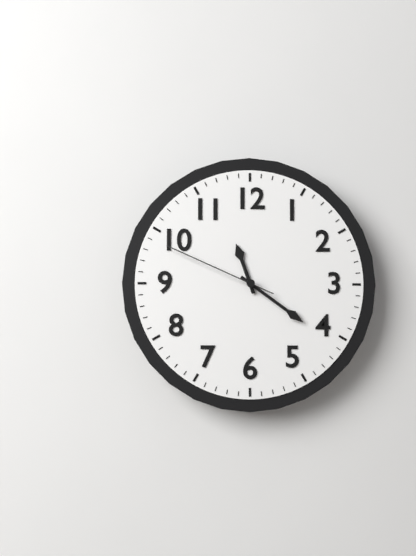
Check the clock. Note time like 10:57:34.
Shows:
11:21:49
